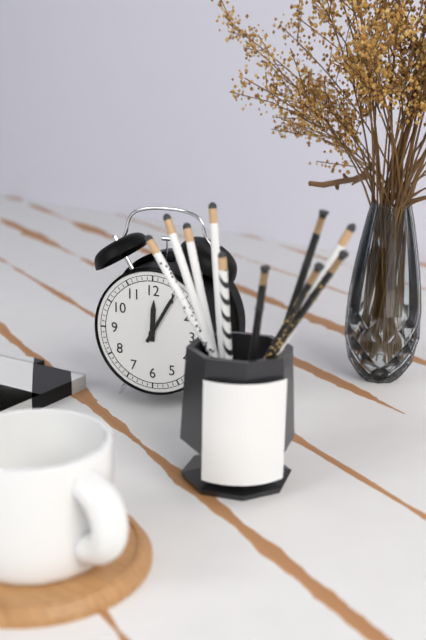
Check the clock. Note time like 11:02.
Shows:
12:05
